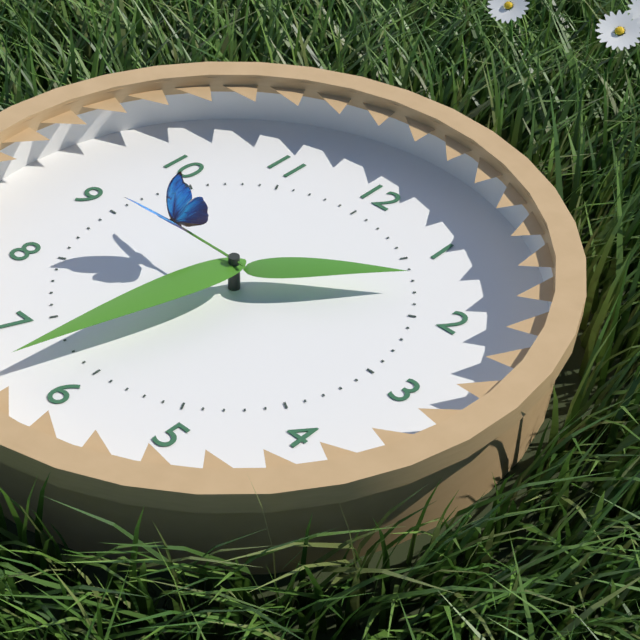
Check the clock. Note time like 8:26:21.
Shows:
1:32:45
